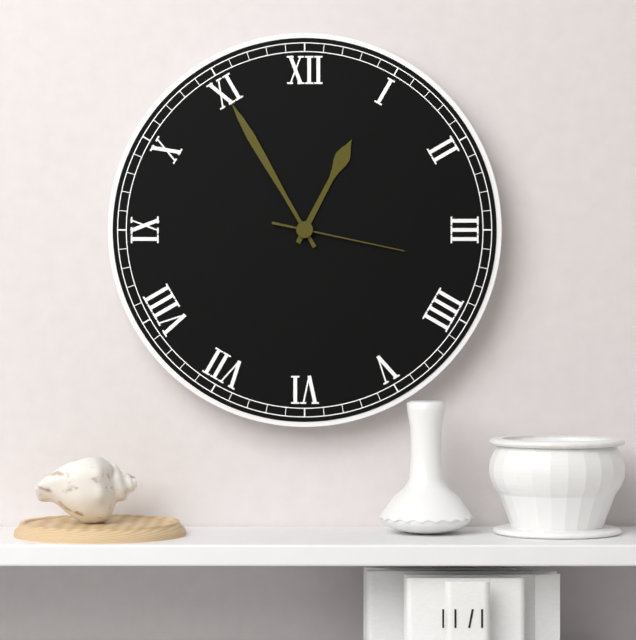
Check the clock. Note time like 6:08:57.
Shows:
12:55:17
